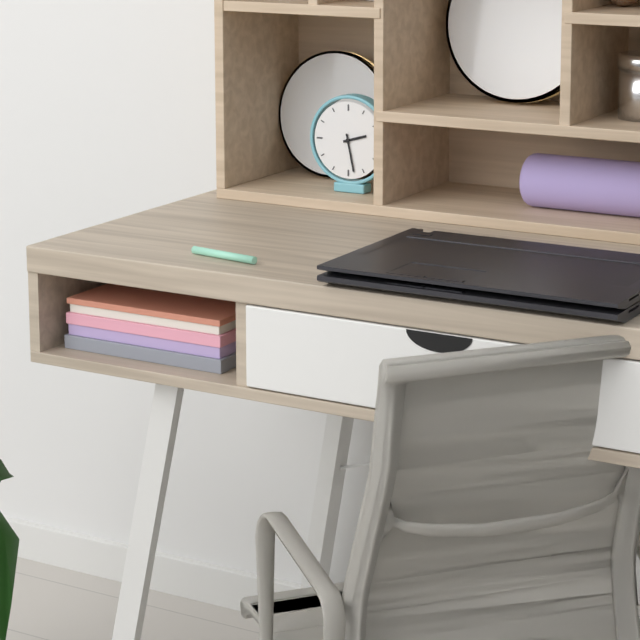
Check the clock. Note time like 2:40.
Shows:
2:28
